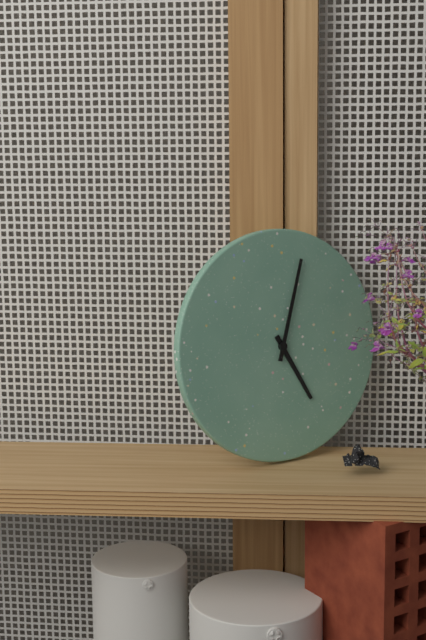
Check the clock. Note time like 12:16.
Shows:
5:03
